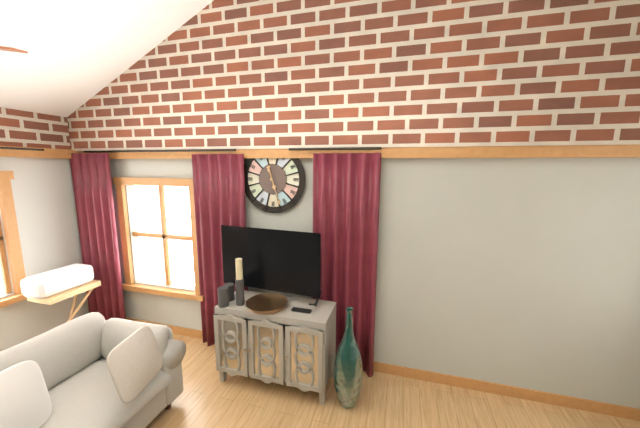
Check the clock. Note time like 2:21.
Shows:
11:27
